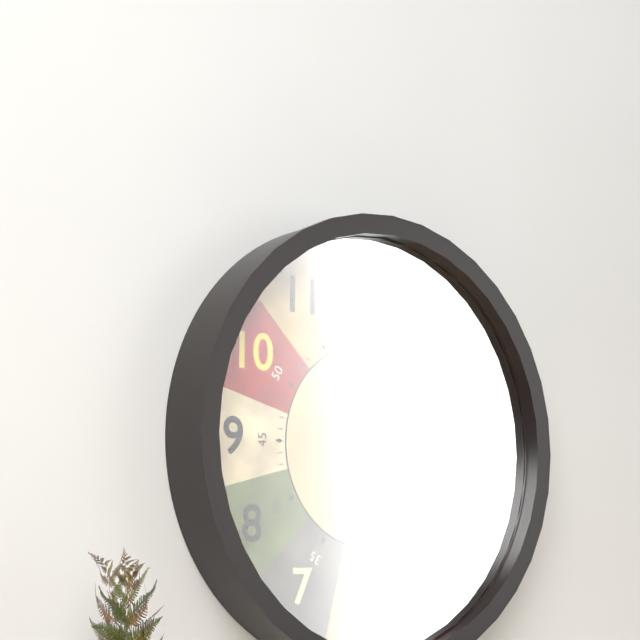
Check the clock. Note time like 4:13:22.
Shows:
11:18:32
